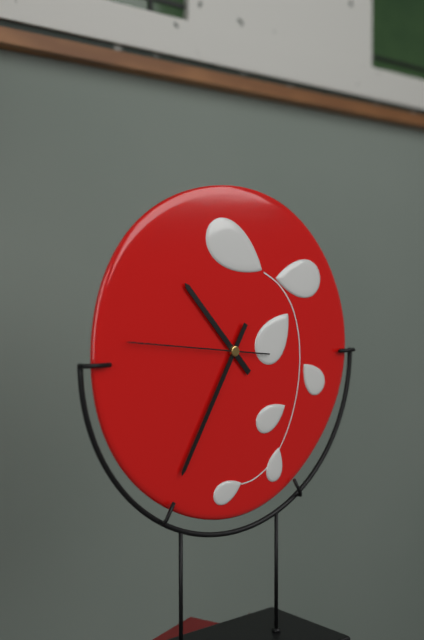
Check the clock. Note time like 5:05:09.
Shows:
10:35:46
